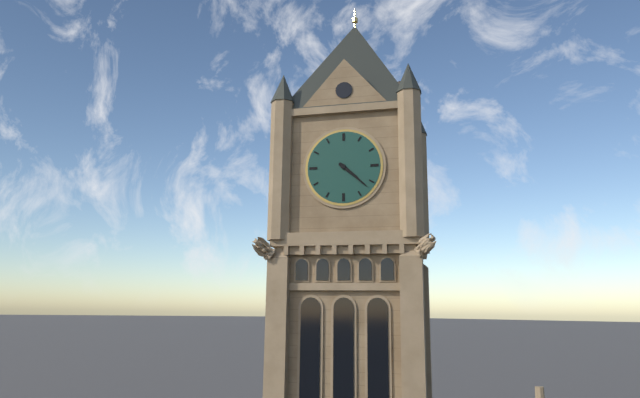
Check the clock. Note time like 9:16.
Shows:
4:22
